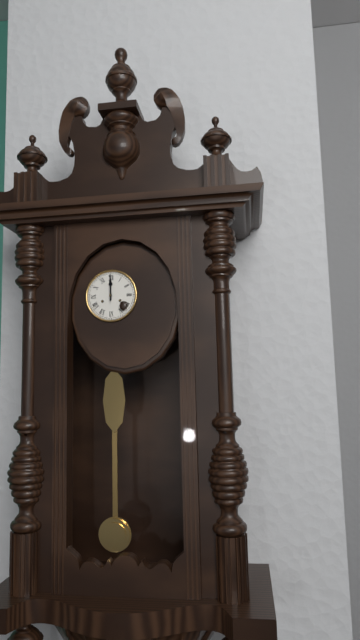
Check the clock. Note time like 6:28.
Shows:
12:00
